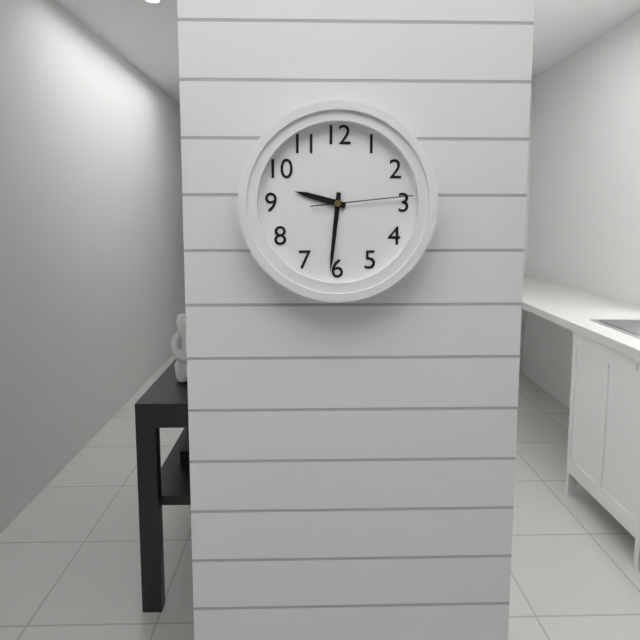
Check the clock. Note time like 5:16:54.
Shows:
9:31:14
